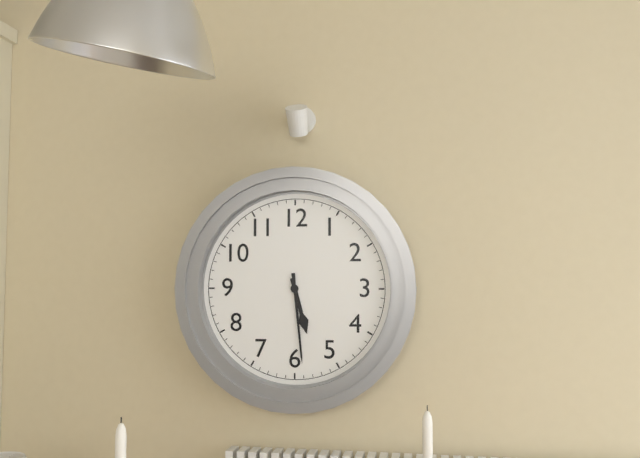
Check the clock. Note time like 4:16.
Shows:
5:29
